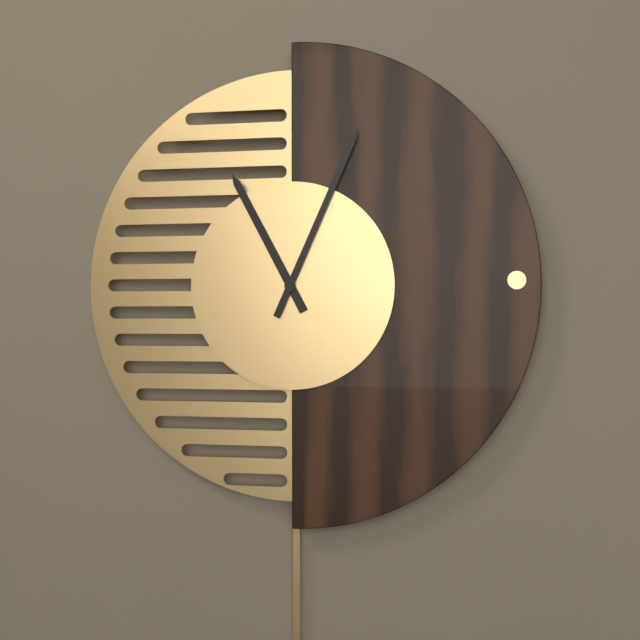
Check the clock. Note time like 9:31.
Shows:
11:04
